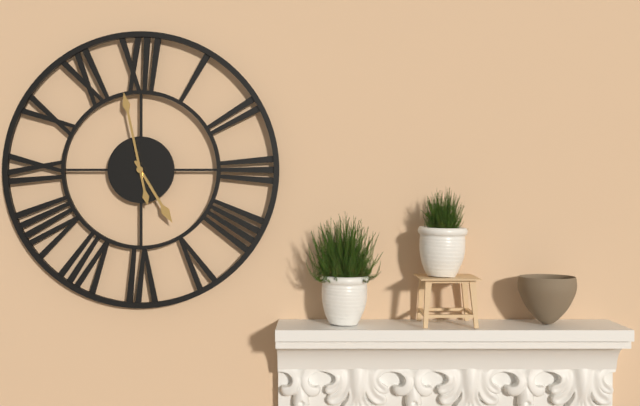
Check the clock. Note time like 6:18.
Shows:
4:58
